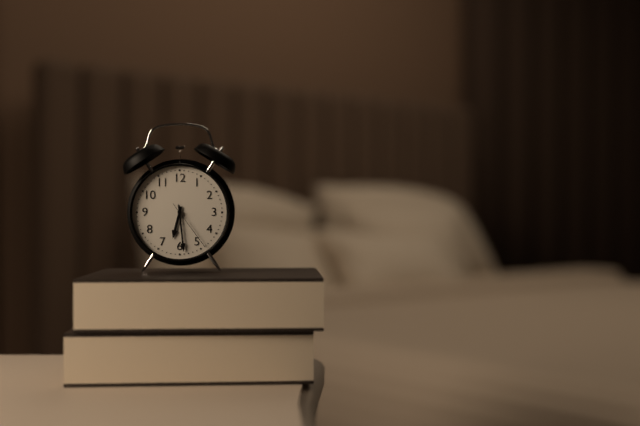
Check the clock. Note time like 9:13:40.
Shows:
6:29:24
